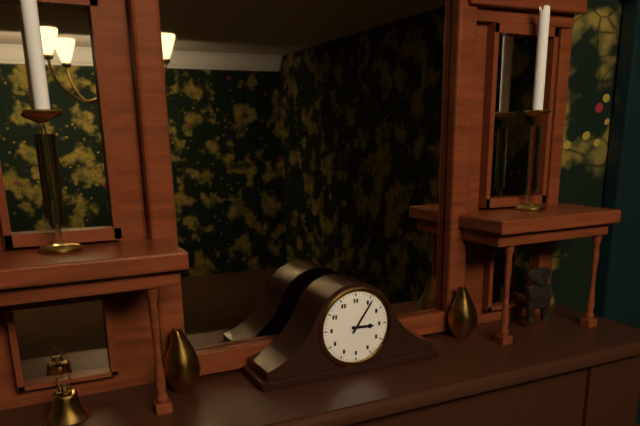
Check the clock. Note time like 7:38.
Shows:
3:06
